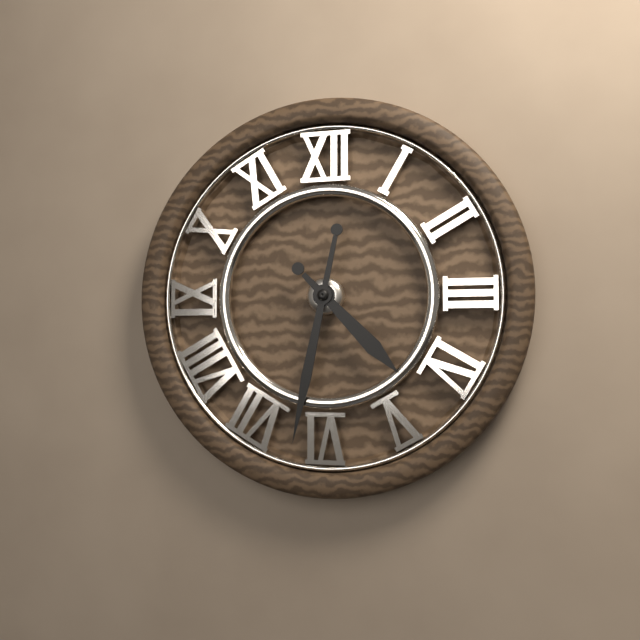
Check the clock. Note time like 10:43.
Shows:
4:32
